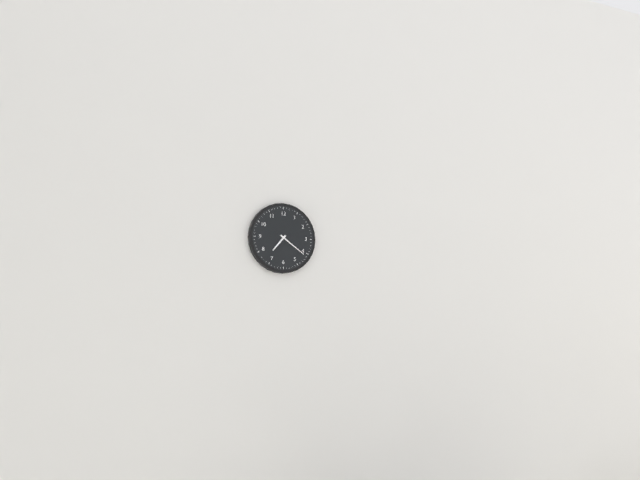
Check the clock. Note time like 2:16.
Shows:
7:21
